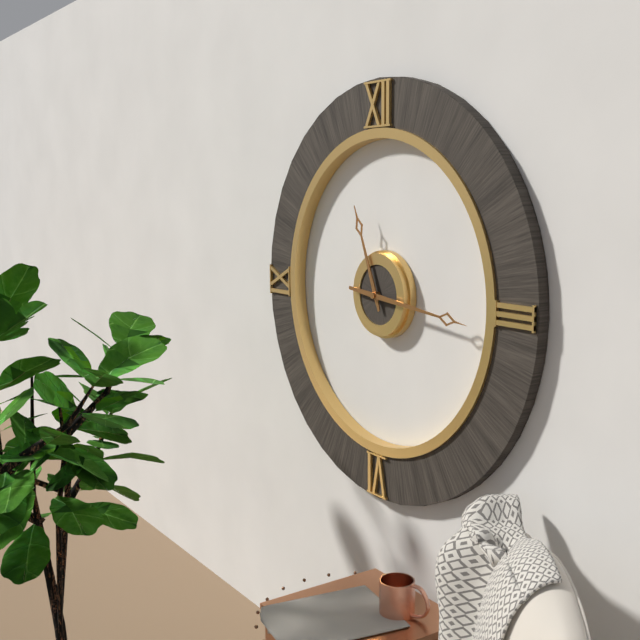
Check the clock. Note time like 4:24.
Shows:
11:16
